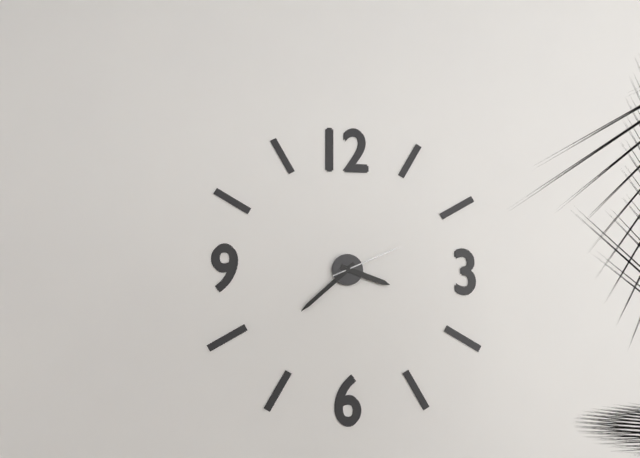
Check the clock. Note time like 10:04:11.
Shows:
3:38:11
